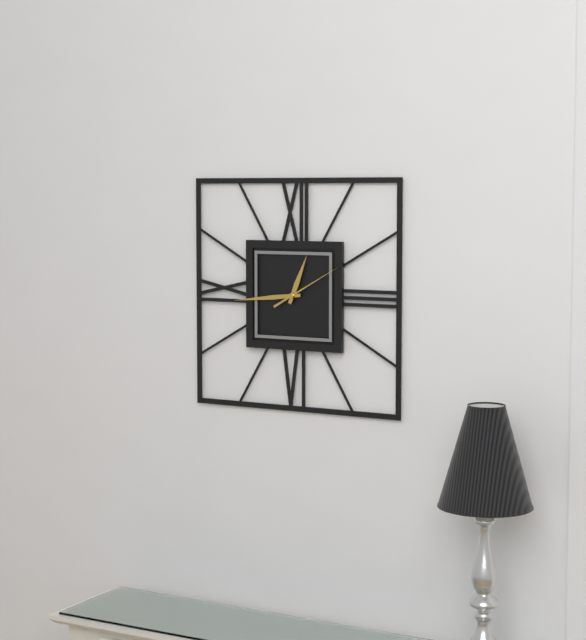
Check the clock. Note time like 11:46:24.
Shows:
12:44:10
